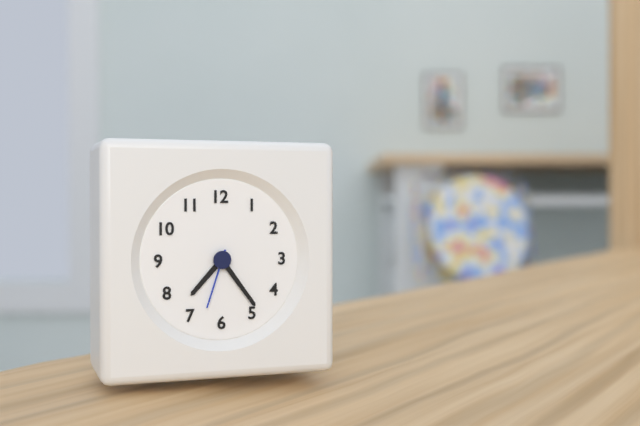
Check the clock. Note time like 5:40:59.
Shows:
7:24:33
